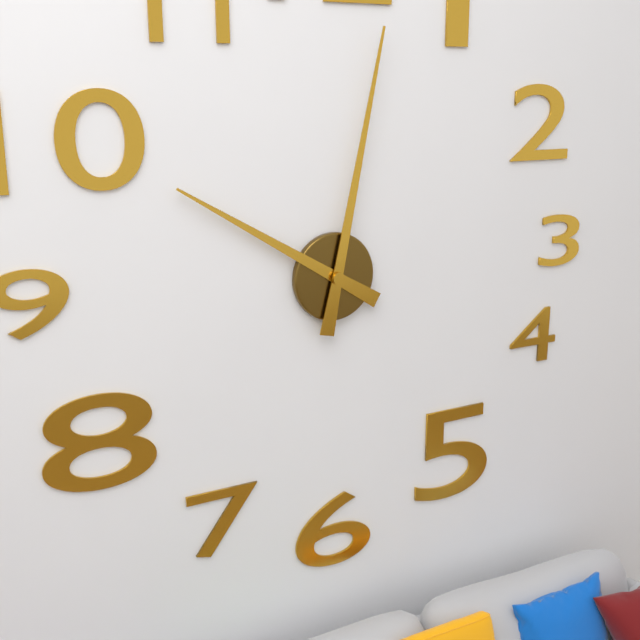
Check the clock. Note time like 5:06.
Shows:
10:02
